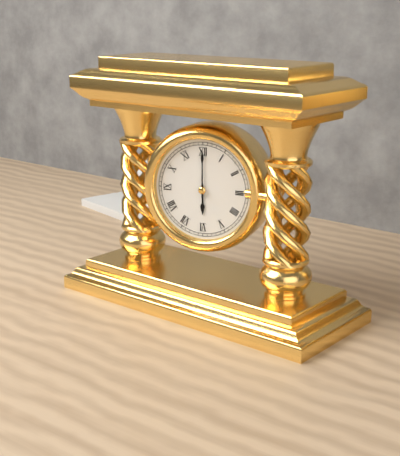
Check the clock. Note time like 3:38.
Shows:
6:00
